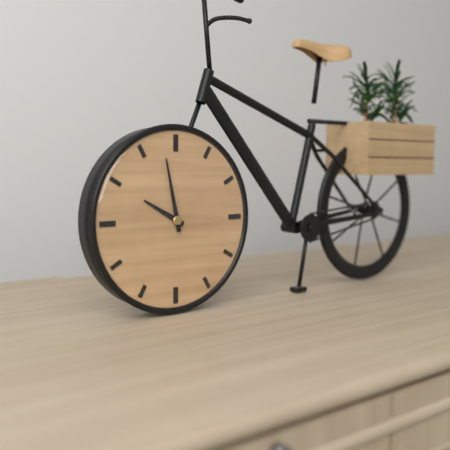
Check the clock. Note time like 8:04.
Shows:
9:58
